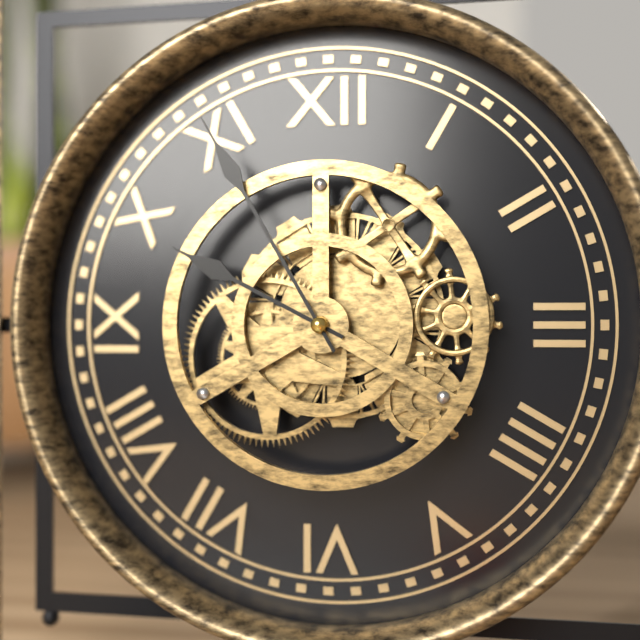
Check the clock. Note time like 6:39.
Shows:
9:55
